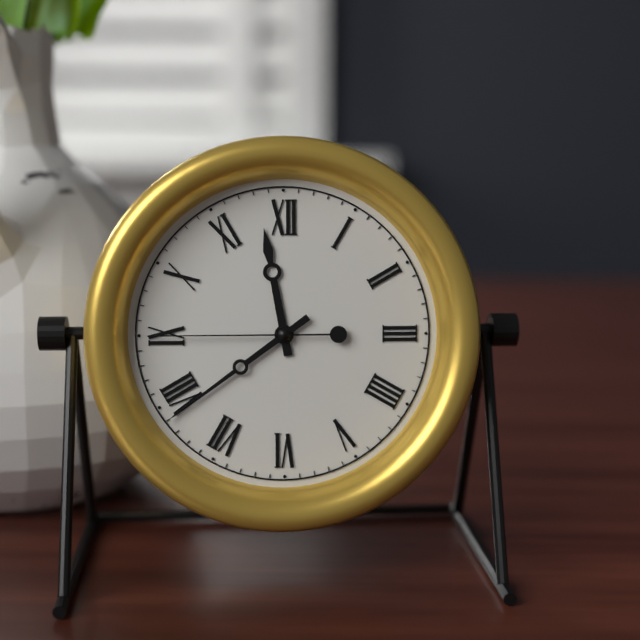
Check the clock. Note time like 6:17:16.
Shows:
11:39:45
